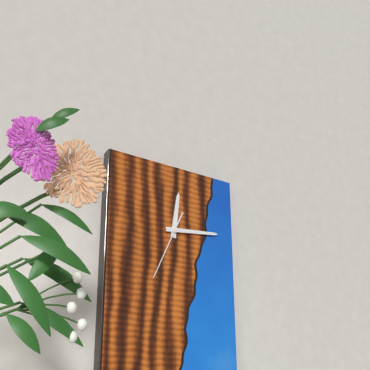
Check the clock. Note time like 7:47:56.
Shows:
12:14:34
